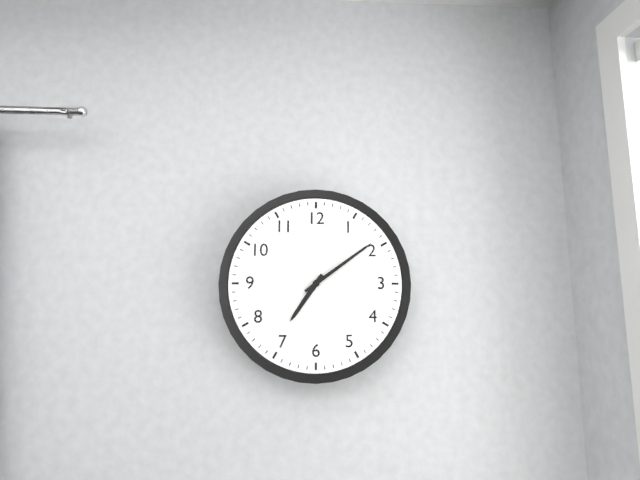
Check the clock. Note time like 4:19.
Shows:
7:09
